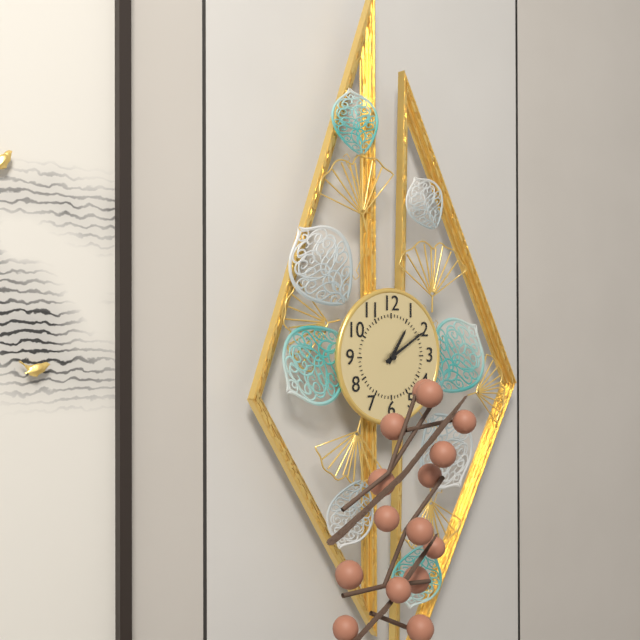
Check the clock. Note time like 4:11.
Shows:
1:10
